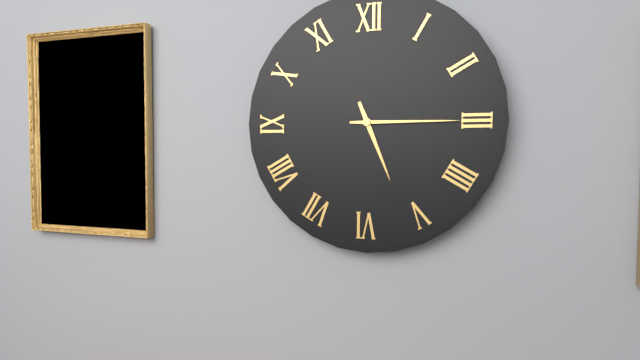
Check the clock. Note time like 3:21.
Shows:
5:15
